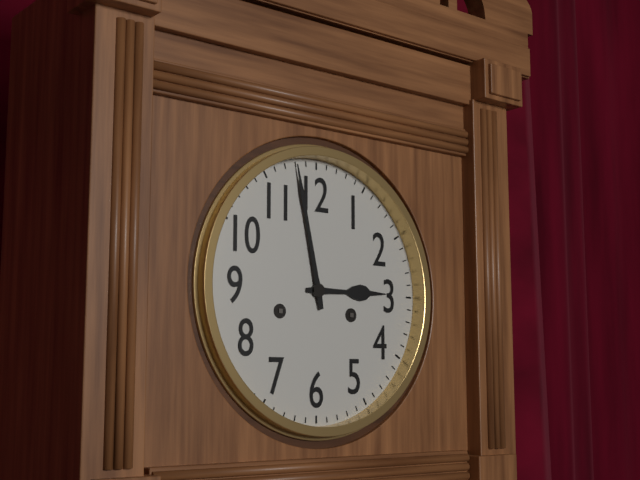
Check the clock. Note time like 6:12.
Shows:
2:58
